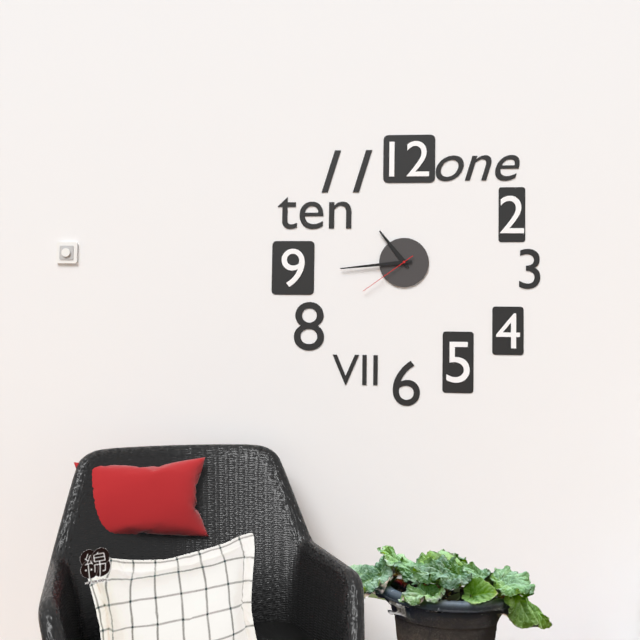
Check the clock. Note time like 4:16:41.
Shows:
10:44:39
